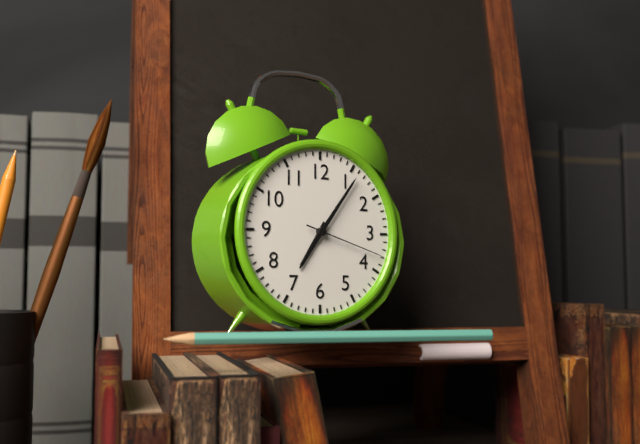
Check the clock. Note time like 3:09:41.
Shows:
7:06:18
